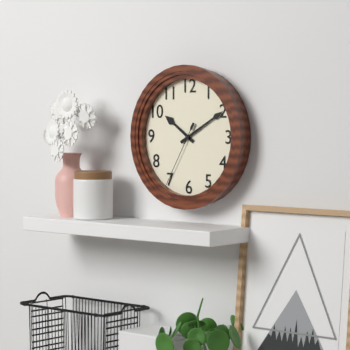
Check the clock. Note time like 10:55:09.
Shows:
10:10:35
